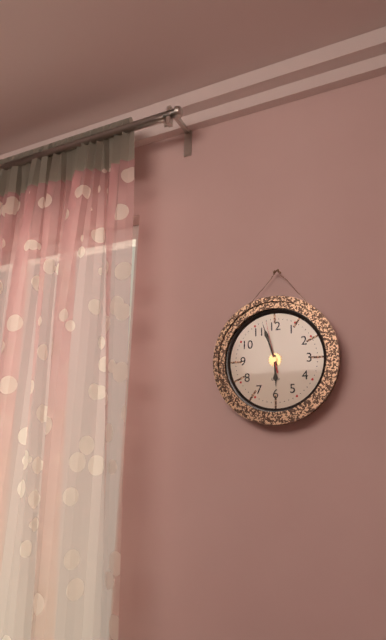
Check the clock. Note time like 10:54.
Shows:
5:57
